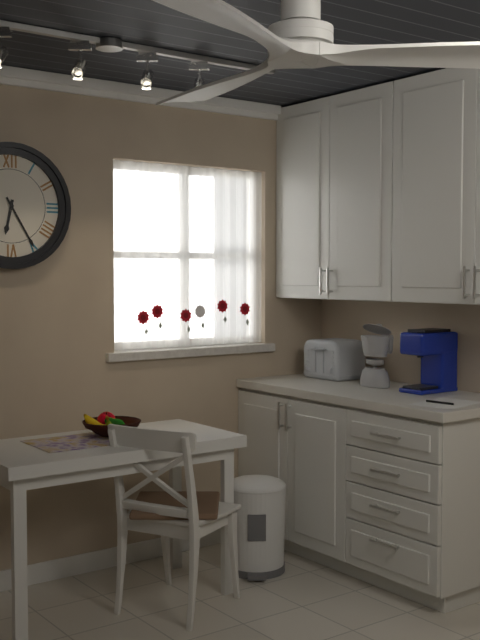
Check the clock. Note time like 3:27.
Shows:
6:25
